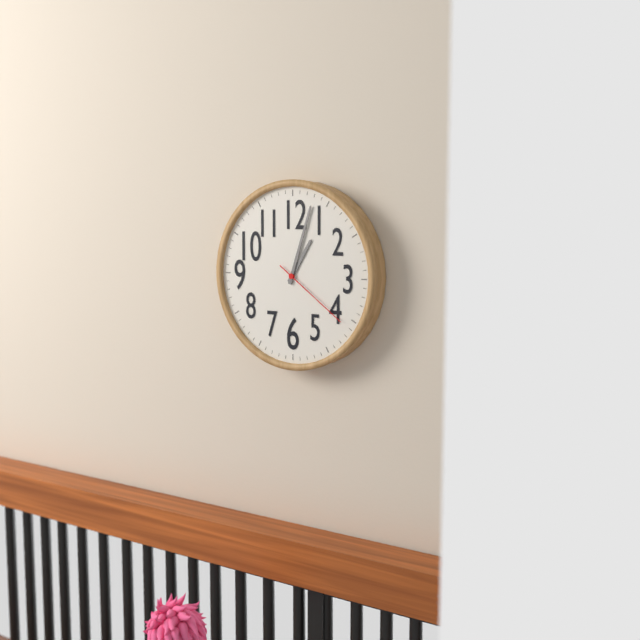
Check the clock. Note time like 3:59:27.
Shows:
1:03:21
